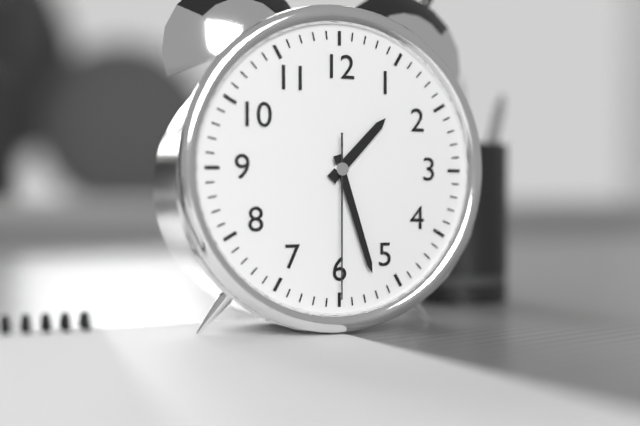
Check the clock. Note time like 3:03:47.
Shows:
1:27:30
